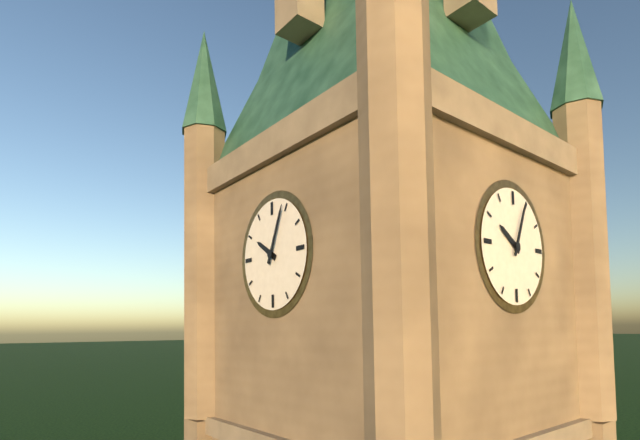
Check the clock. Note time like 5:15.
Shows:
10:04
